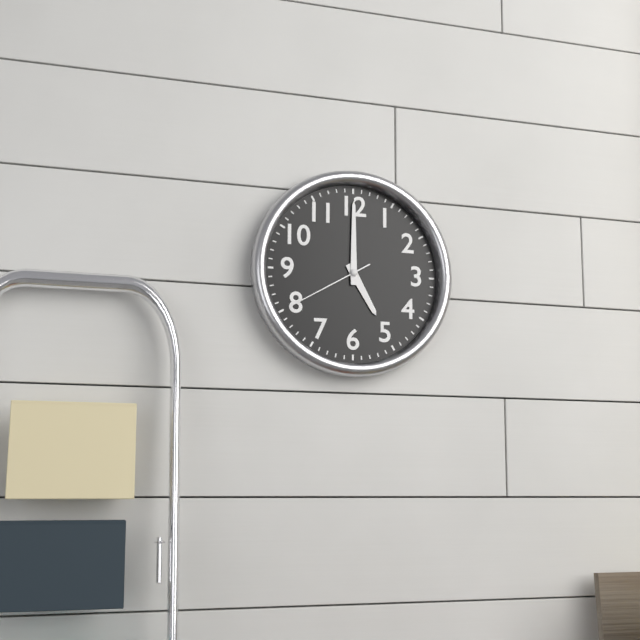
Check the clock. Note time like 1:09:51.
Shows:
5:00:40
